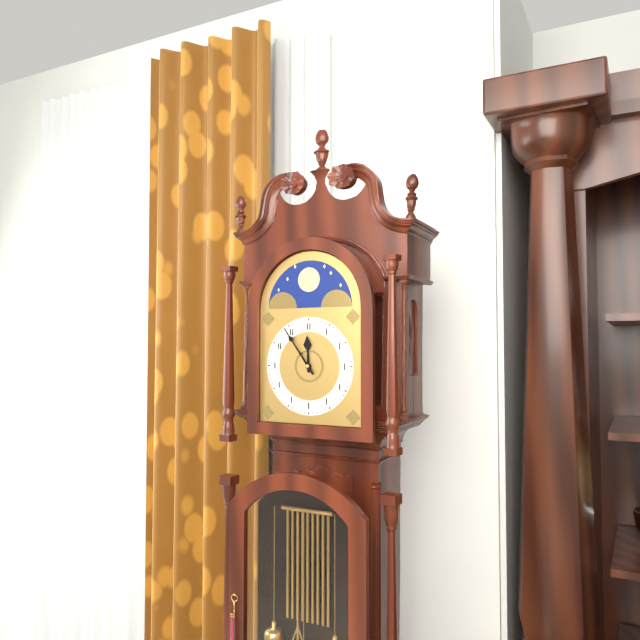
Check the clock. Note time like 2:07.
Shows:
11:54
